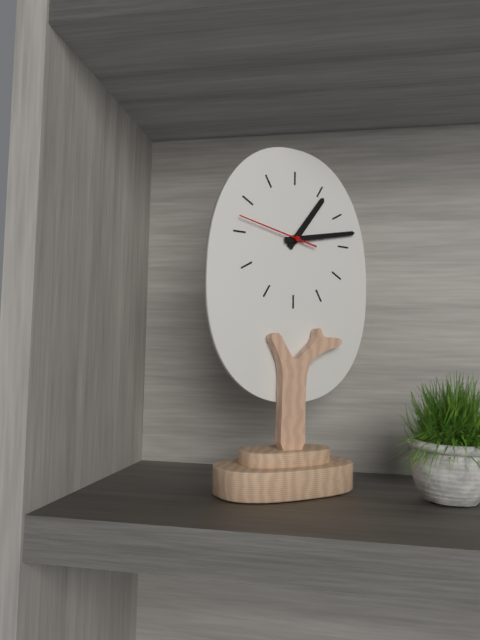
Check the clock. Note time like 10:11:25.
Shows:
1:13:47
